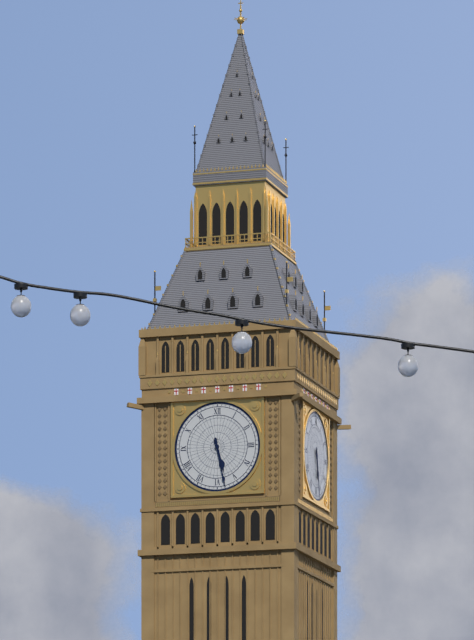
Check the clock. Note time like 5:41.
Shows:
5:28
